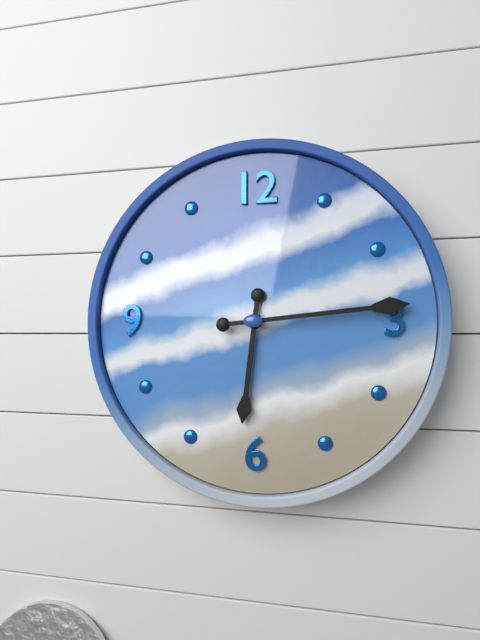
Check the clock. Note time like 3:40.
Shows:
6:14
